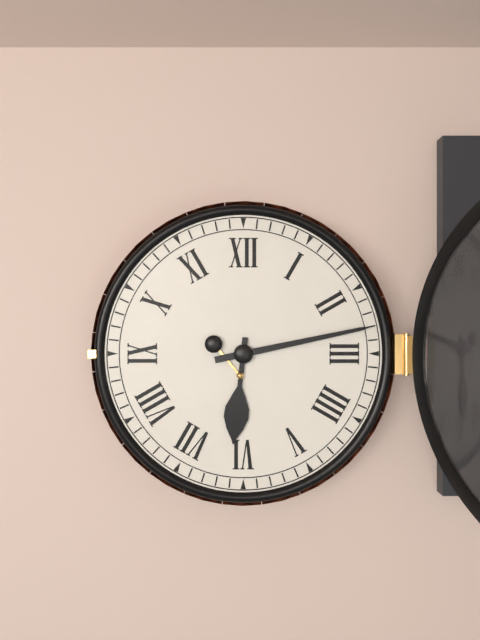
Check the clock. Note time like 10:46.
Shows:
6:13
